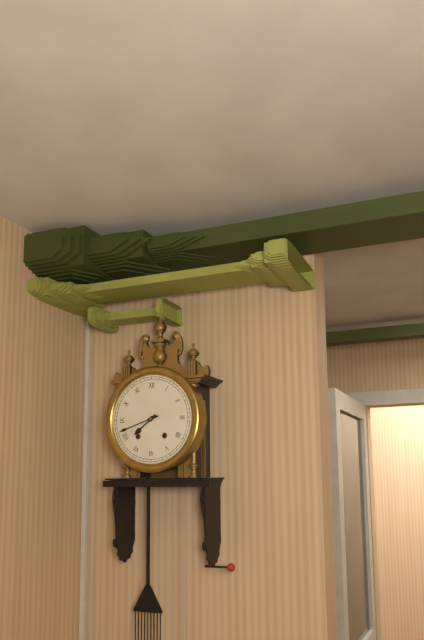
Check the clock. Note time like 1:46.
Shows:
7:42
